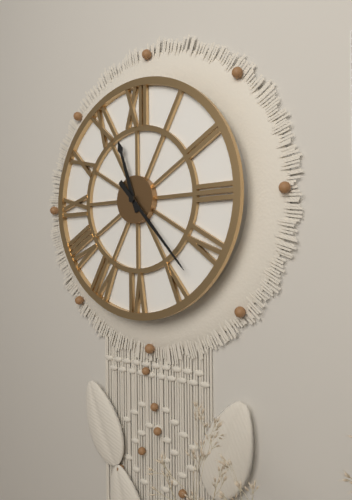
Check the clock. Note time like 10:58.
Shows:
11:23
